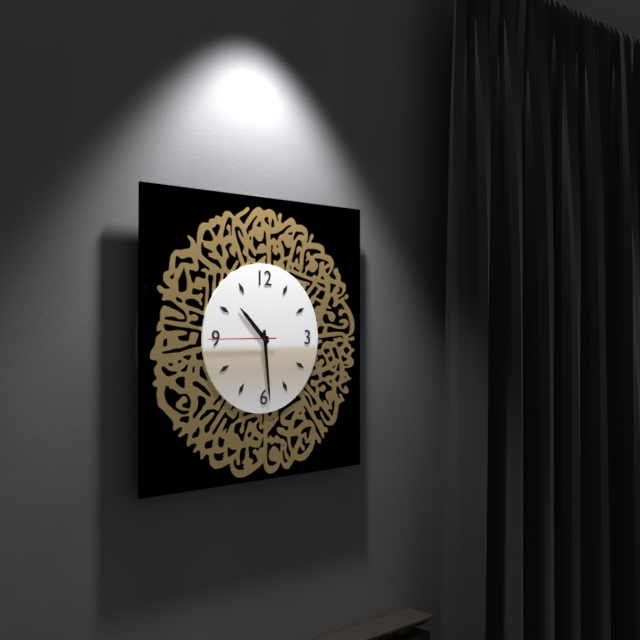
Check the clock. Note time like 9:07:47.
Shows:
10:29:45
